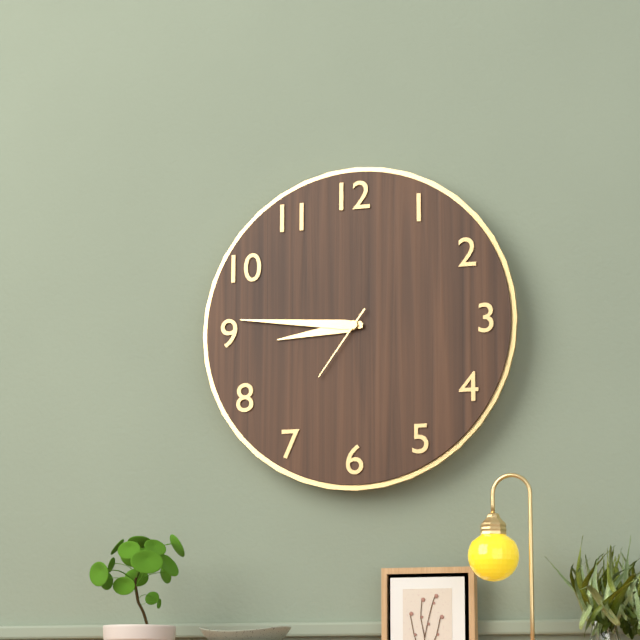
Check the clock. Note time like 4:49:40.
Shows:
8:46:36
